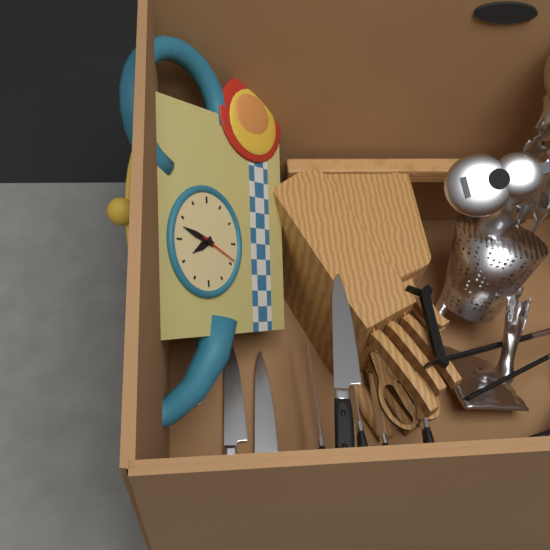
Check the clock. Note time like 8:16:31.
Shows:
11:03:34
